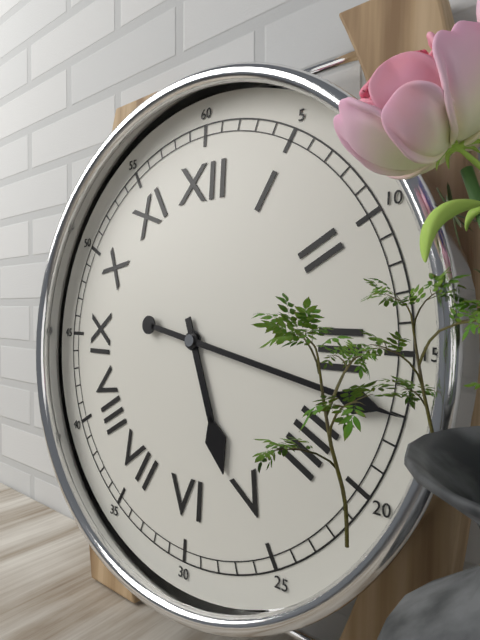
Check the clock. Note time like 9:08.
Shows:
5:17
